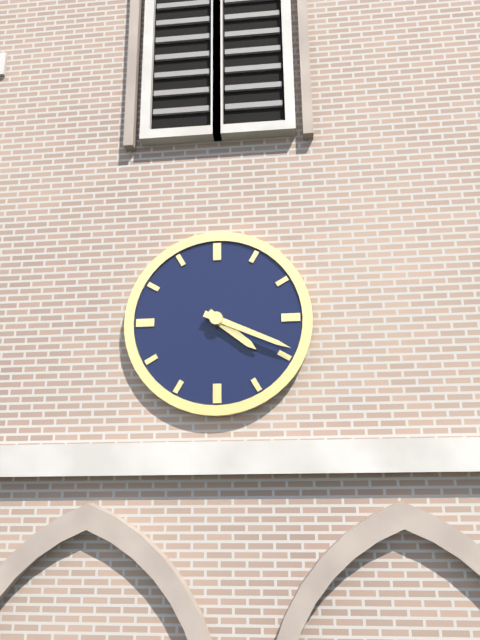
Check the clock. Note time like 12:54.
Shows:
4:19
